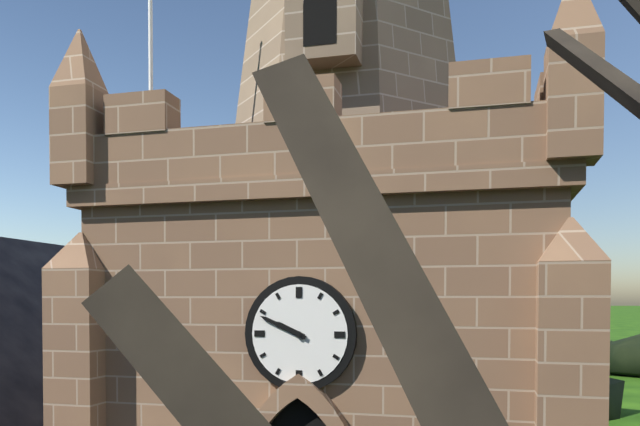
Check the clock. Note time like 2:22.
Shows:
9:49
